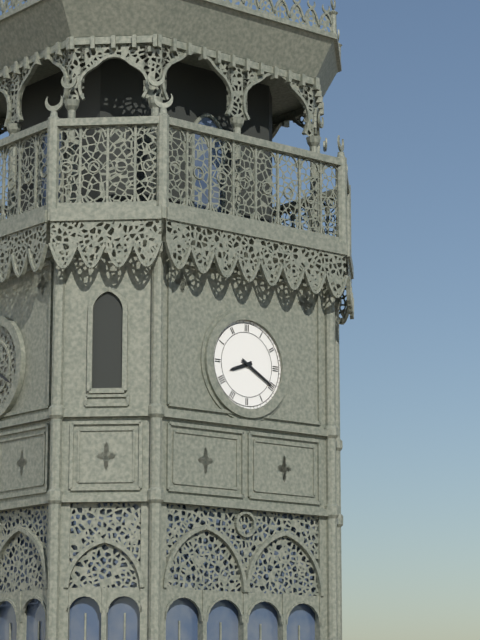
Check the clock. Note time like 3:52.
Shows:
8:20
